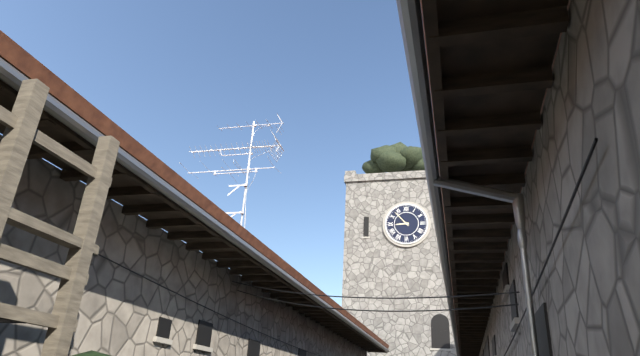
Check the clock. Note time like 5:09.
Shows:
8:53
